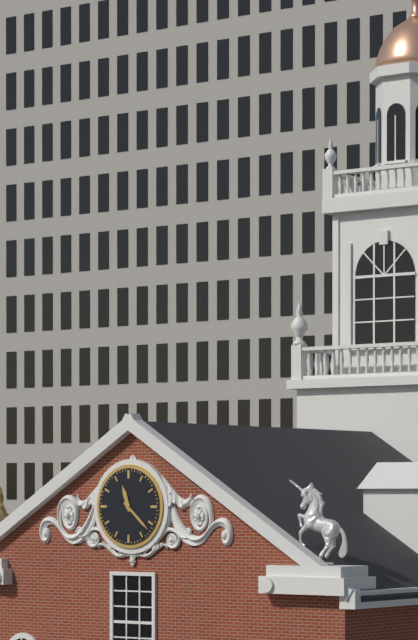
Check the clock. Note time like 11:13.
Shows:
11:22
